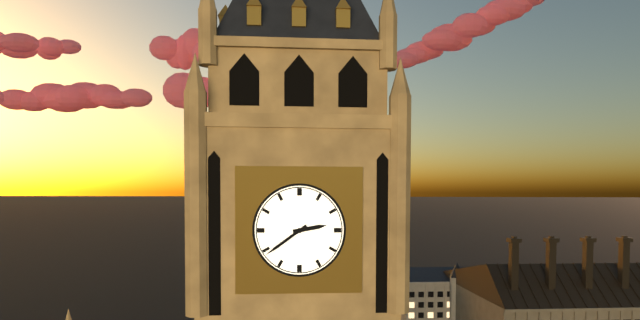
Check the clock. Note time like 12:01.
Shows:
2:39
